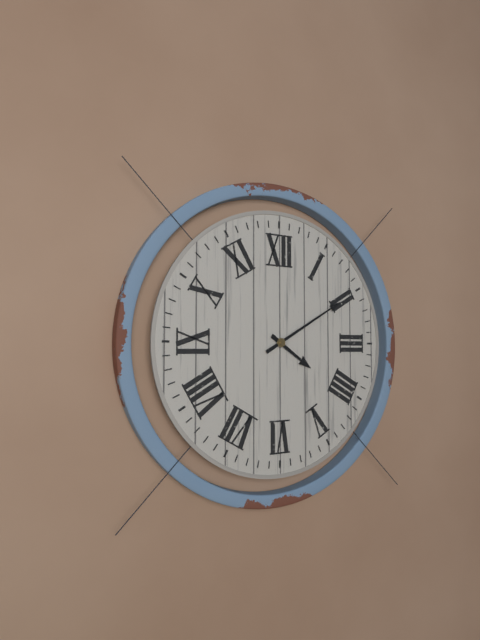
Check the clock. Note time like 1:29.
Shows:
4:10
